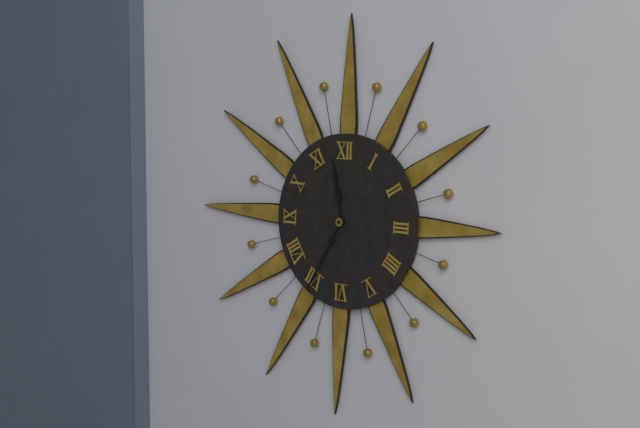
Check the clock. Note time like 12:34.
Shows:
11:35
